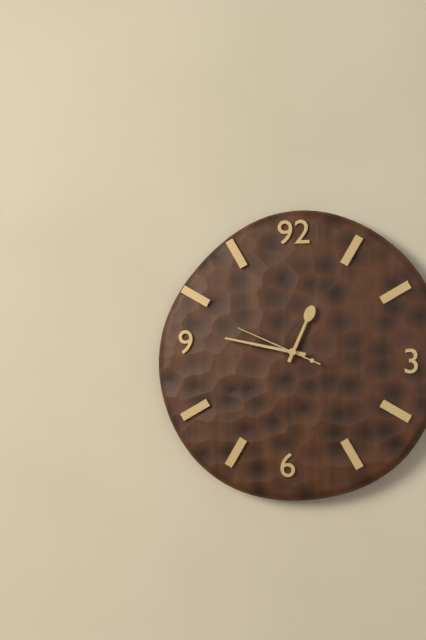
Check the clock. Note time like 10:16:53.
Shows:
12:47:49
